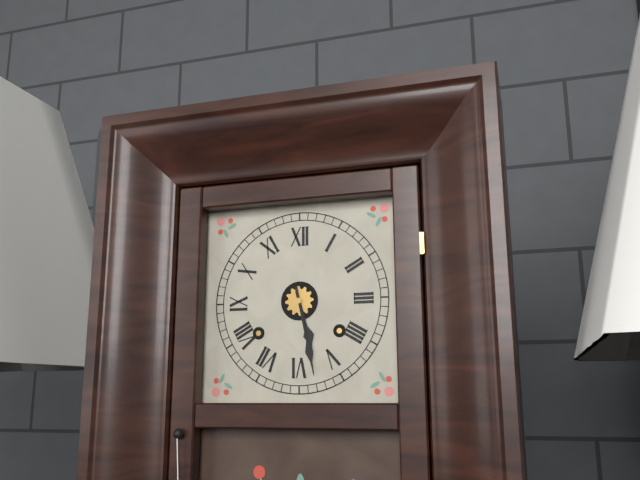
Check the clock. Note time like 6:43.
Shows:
5:28
